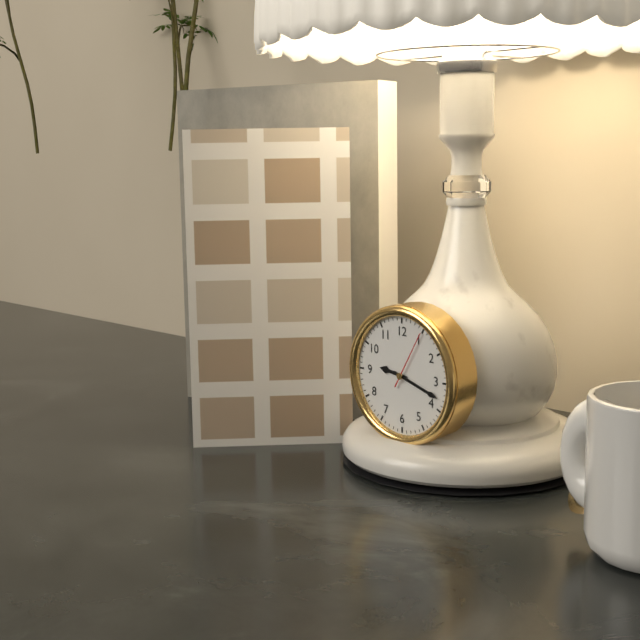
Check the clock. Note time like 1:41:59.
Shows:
9:18:05
